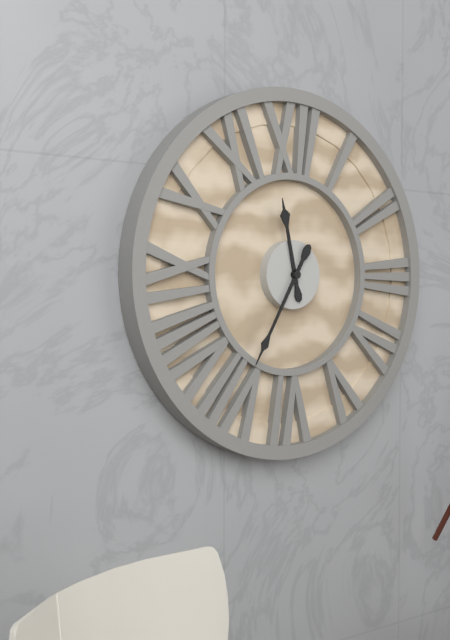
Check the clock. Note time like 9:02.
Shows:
11:35
